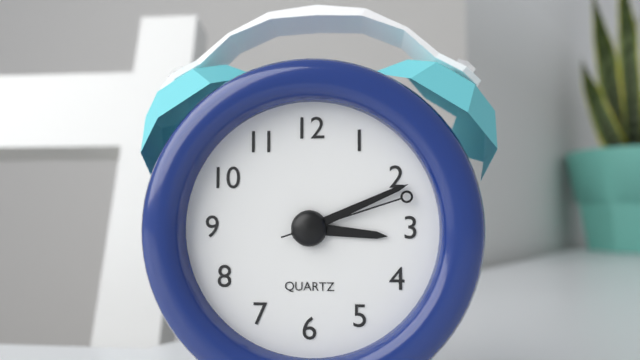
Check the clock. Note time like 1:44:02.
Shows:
3:11:12
